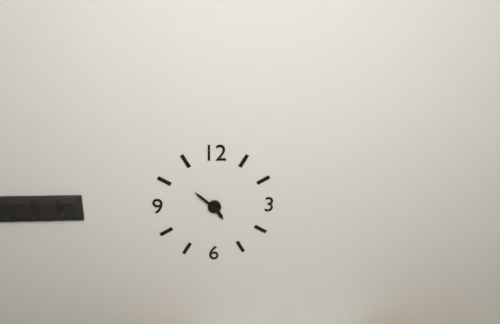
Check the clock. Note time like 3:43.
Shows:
4:52
